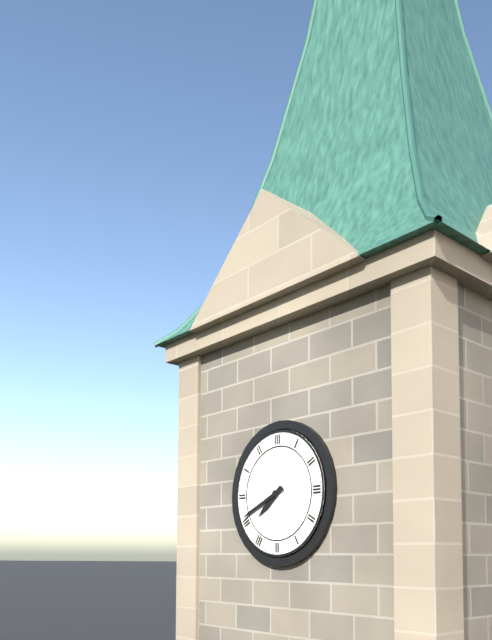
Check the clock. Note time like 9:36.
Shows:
7:41
